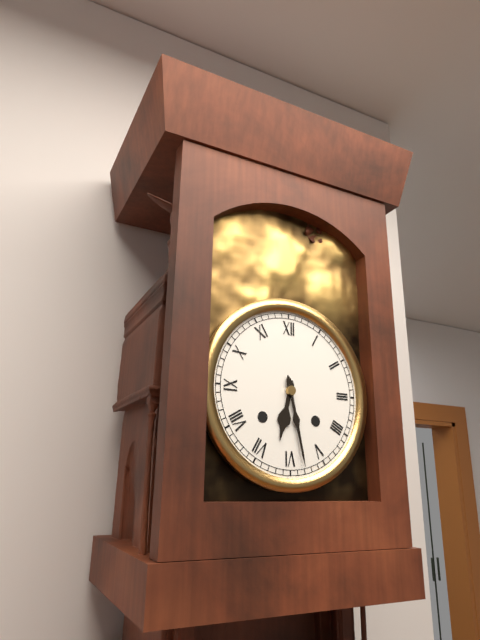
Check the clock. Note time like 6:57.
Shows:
6:28
